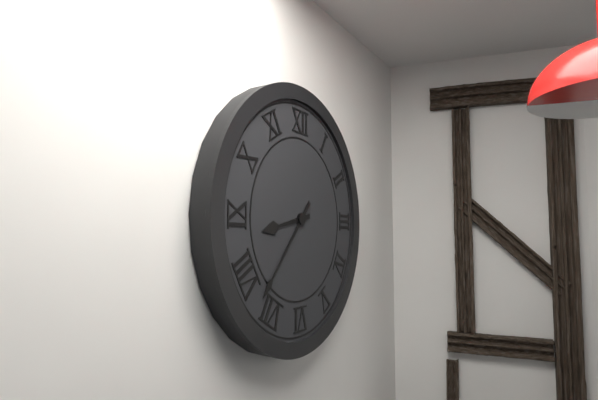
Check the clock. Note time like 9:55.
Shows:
8:37
